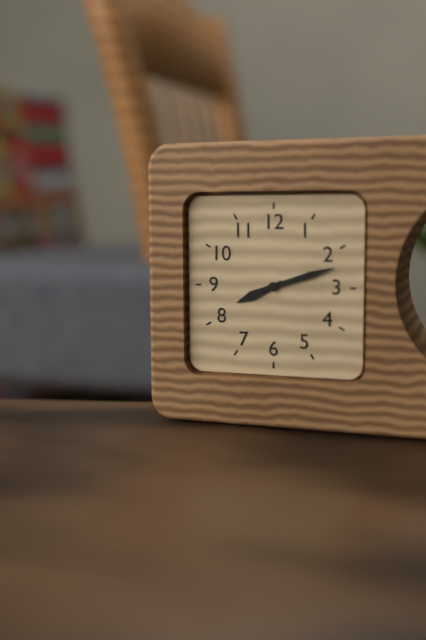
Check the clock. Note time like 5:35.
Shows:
8:12
